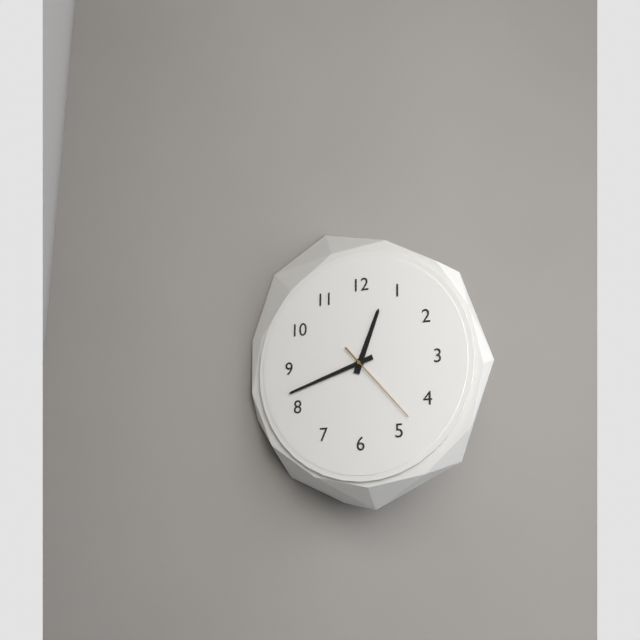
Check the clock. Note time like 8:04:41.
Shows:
12:42:23
